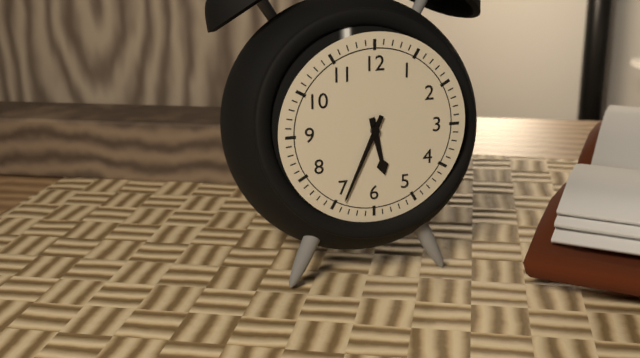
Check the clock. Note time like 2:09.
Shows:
5:34
